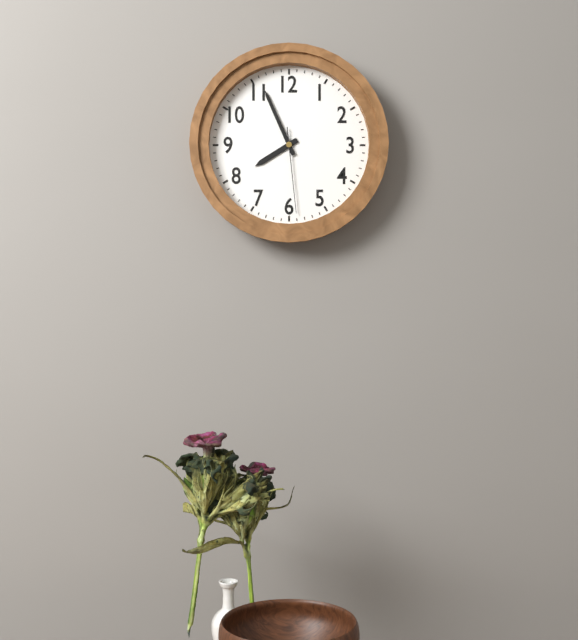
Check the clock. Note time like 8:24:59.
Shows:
7:56:29
